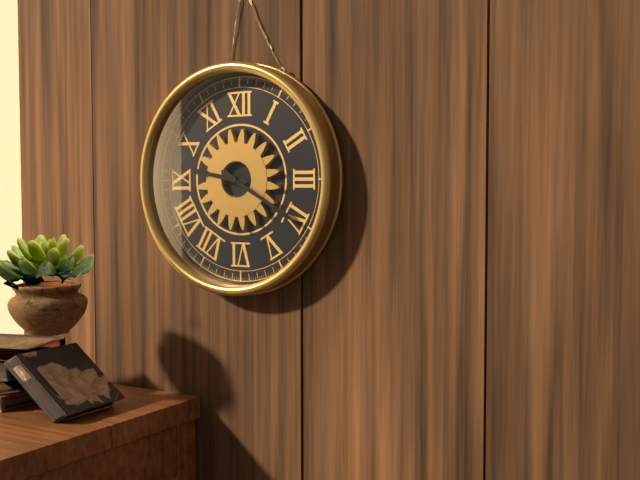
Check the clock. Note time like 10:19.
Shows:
9:20
